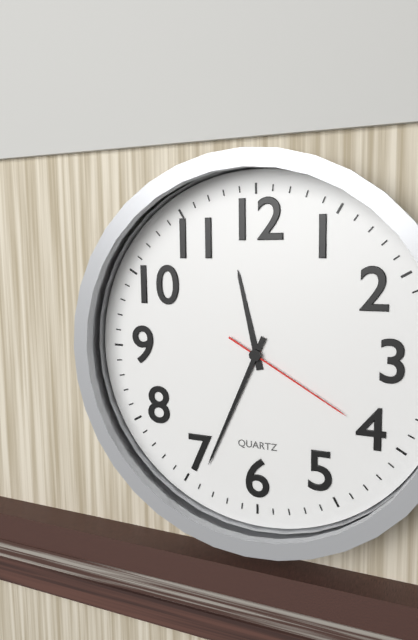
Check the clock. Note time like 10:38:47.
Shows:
11:34:20
